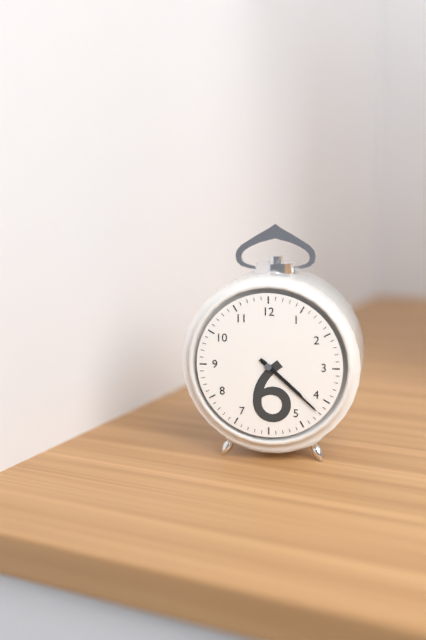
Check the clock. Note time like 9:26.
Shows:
4:22
